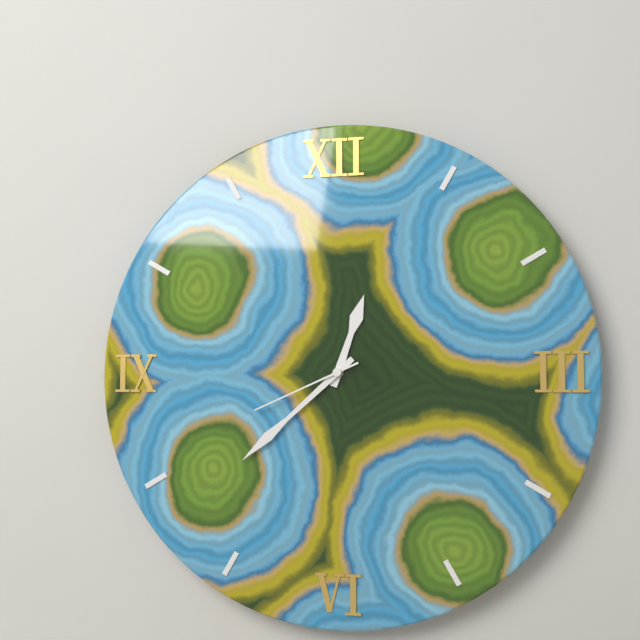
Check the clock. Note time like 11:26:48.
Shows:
12:38:41
